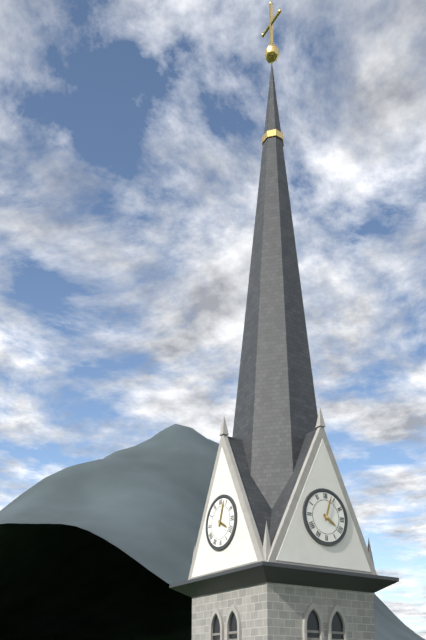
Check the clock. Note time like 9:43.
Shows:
4:03
